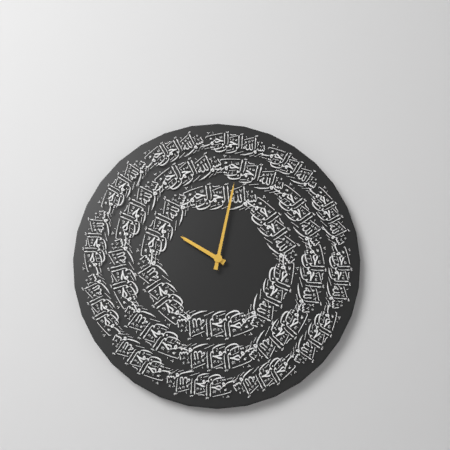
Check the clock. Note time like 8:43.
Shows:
10:02
